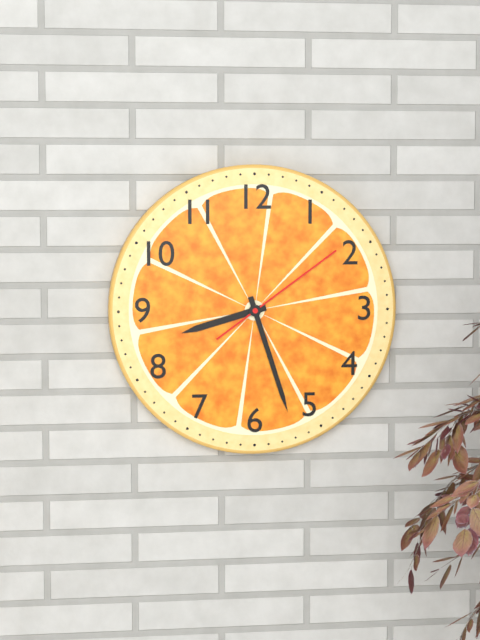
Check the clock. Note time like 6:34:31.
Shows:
8:27:09
